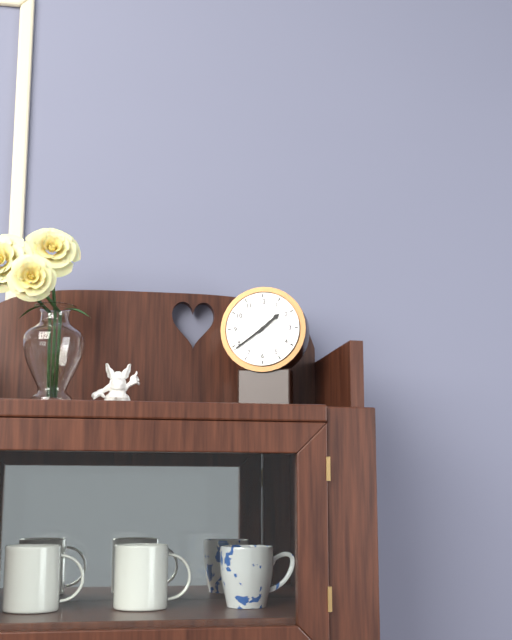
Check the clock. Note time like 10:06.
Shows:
1:39
